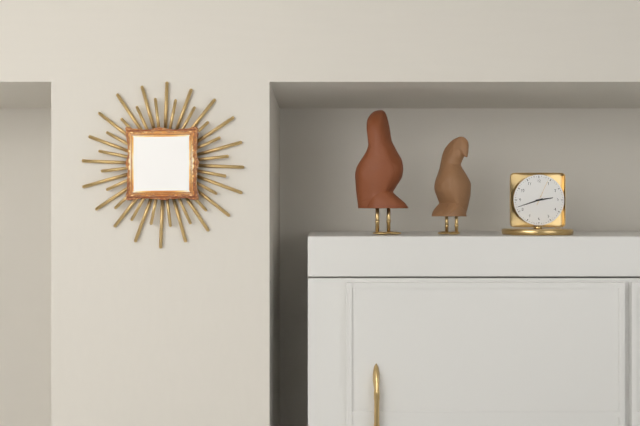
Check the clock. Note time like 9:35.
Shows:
2:42
